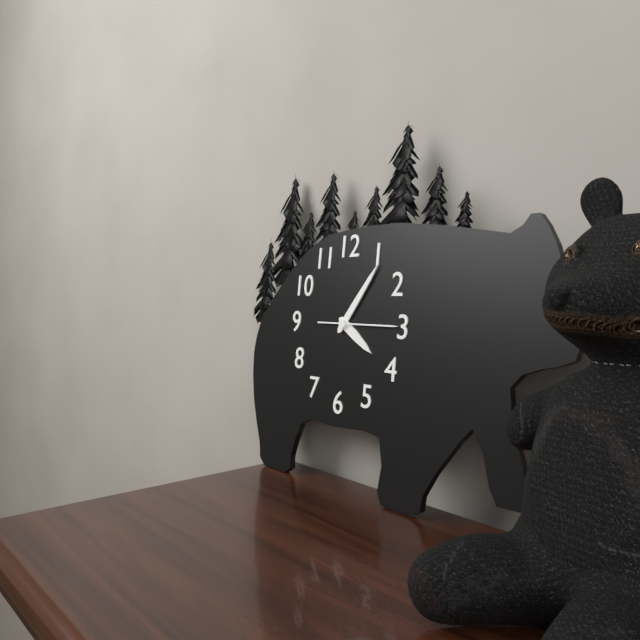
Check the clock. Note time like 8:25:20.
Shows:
4:06:15
